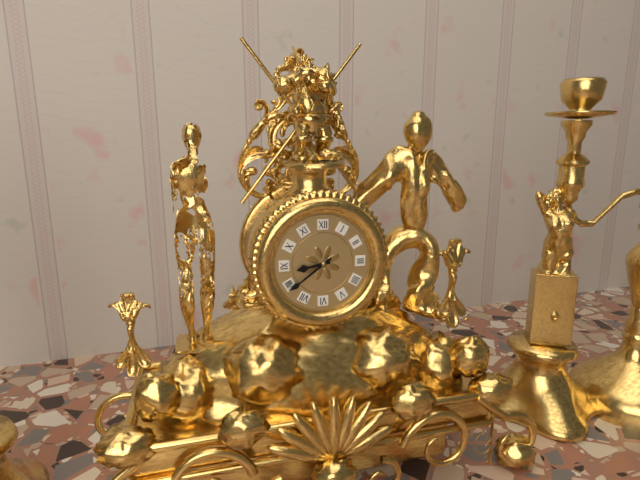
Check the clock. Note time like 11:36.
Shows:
8:39
